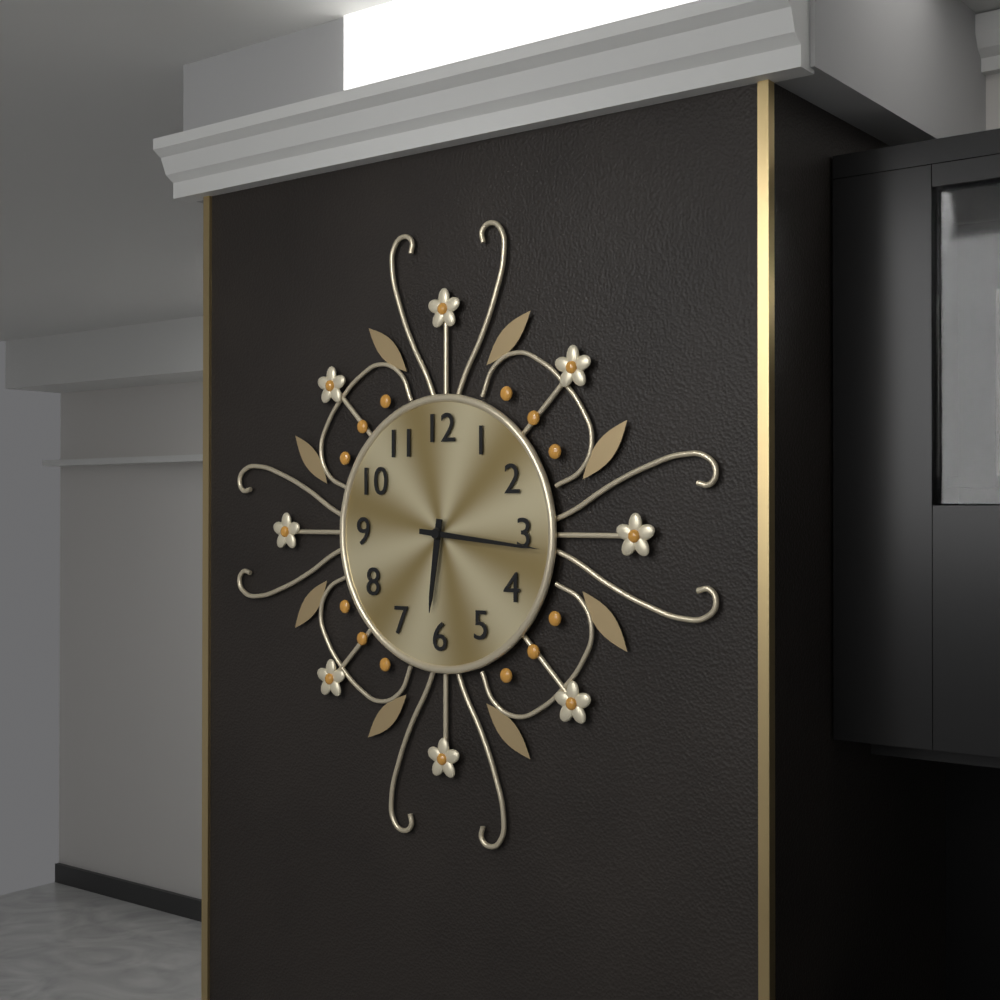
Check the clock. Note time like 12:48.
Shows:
6:16
